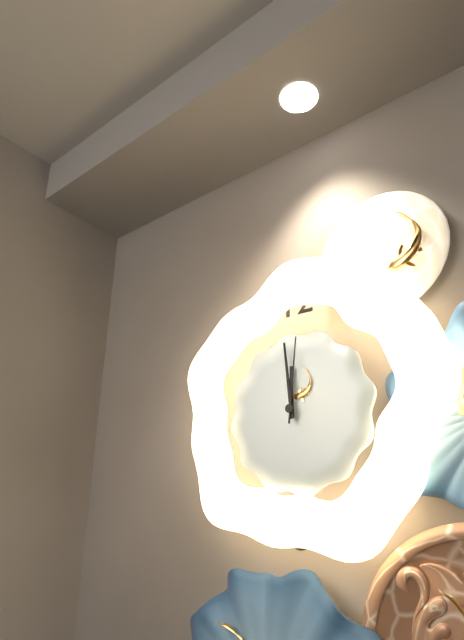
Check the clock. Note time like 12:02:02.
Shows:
11:59:01
